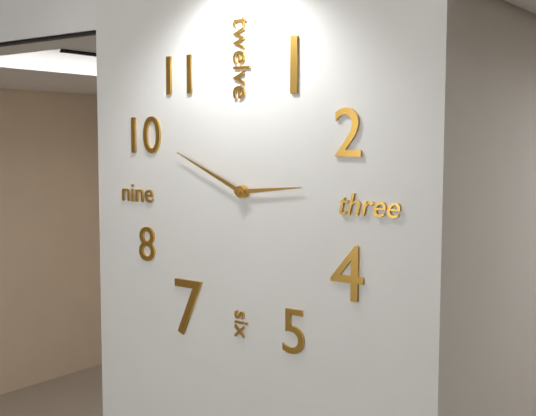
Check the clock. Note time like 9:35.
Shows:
2:49
